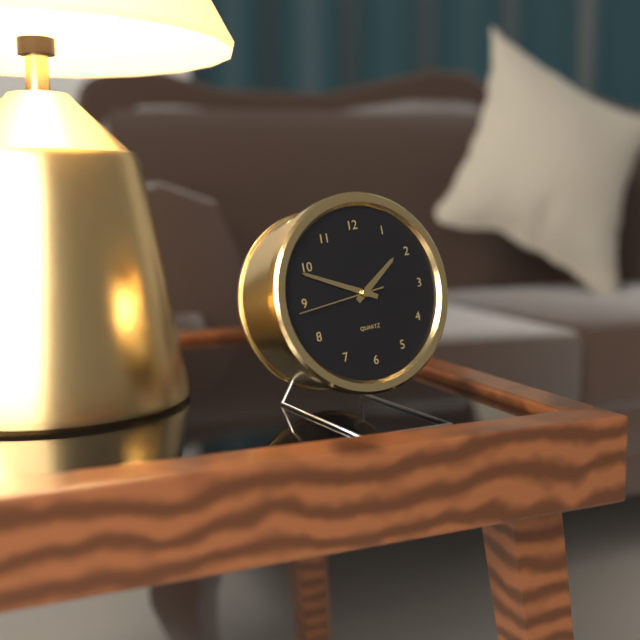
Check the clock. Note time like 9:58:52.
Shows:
1:49:44
